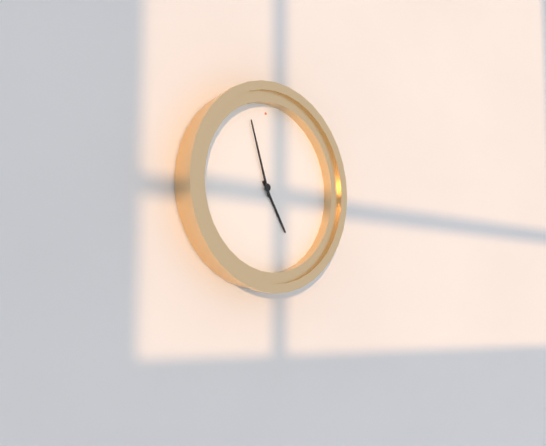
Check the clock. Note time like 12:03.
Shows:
4:57
